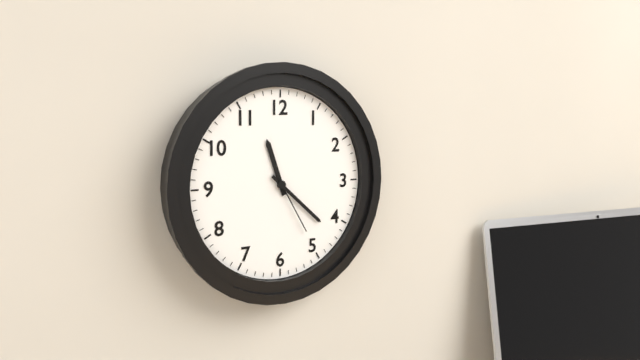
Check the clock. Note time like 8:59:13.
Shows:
11:22:25
